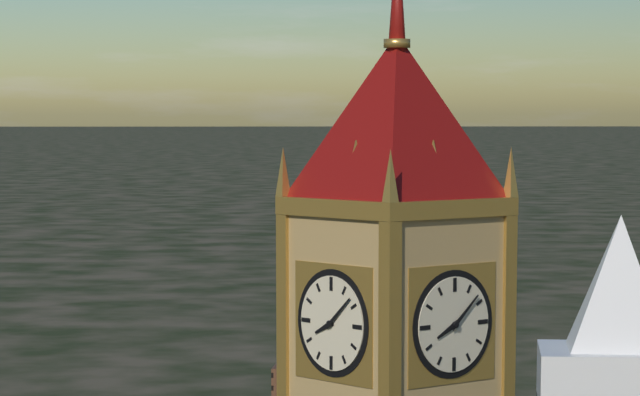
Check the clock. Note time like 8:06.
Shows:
8:08
